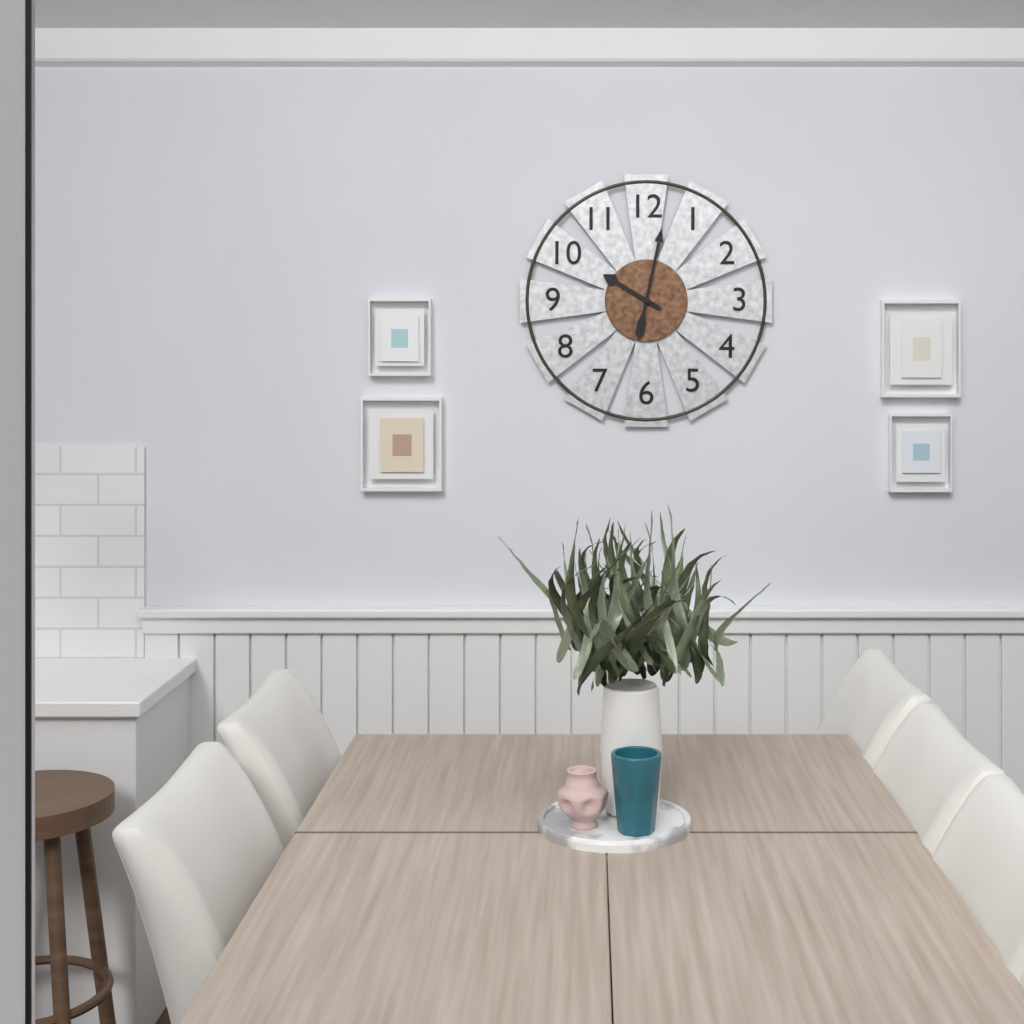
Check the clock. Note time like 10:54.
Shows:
10:02
